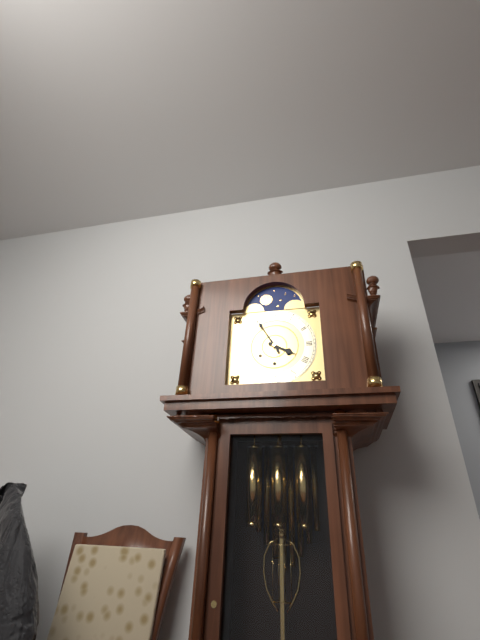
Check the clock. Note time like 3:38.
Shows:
3:55
